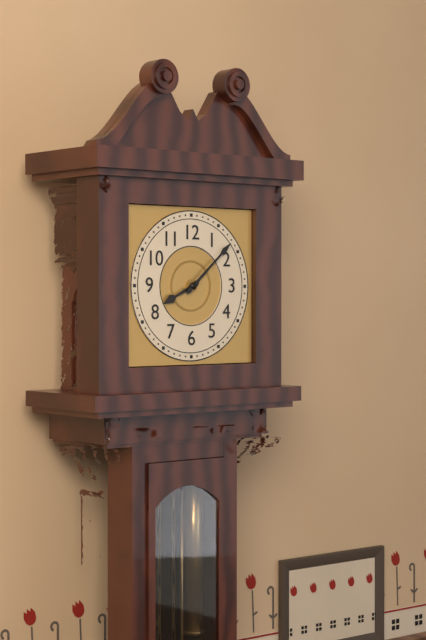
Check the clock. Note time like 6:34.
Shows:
8:08
